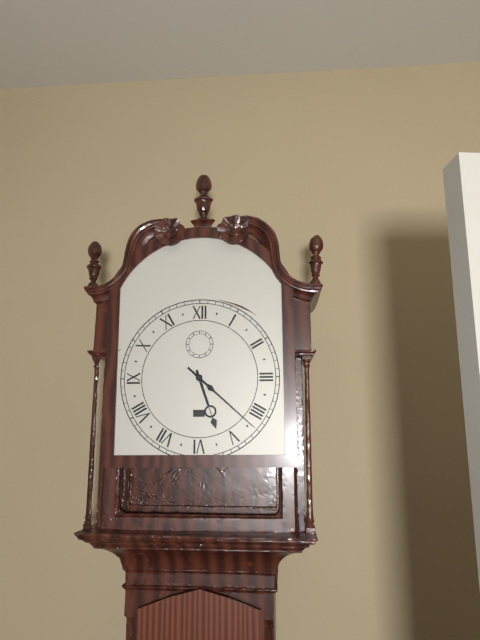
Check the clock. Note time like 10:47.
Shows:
5:22
